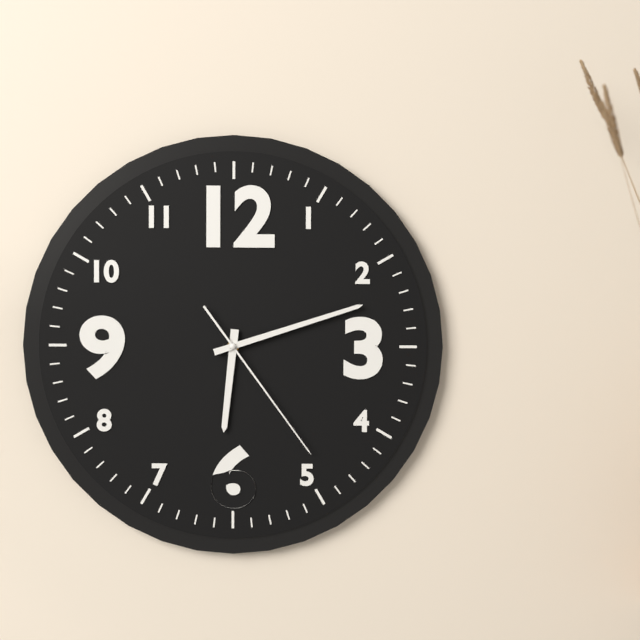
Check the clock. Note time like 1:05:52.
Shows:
6:12:24
